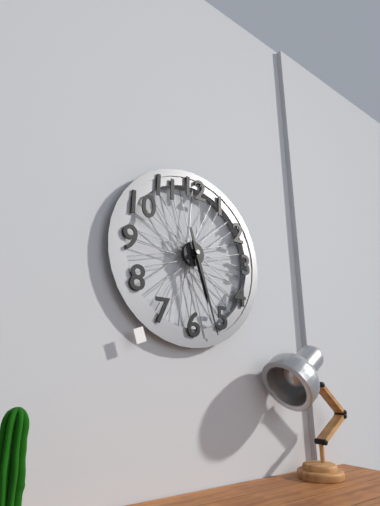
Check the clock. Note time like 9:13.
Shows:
5:27
